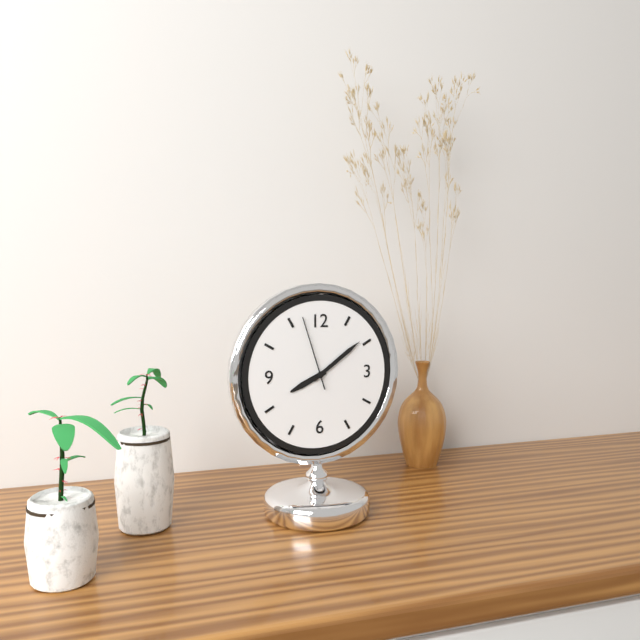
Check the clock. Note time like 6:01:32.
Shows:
8:09:57
